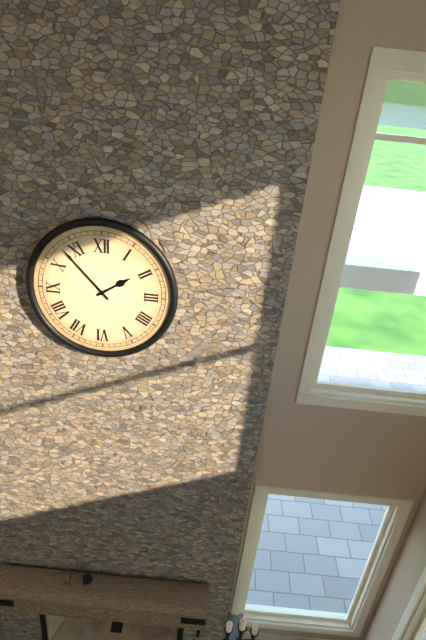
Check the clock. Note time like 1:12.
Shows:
1:53
